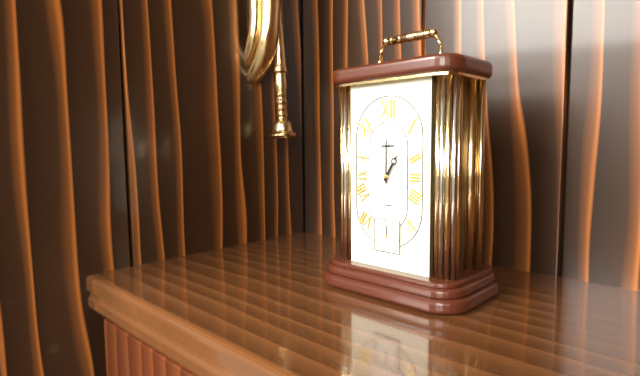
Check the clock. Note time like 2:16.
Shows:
1:00
